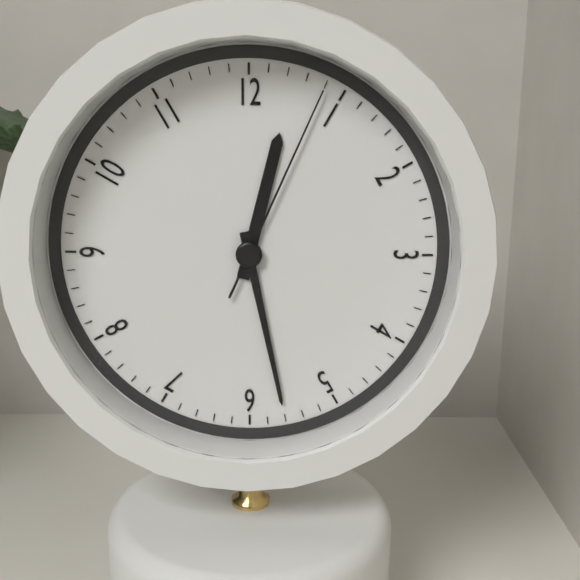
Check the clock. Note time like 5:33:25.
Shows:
12:28:04
